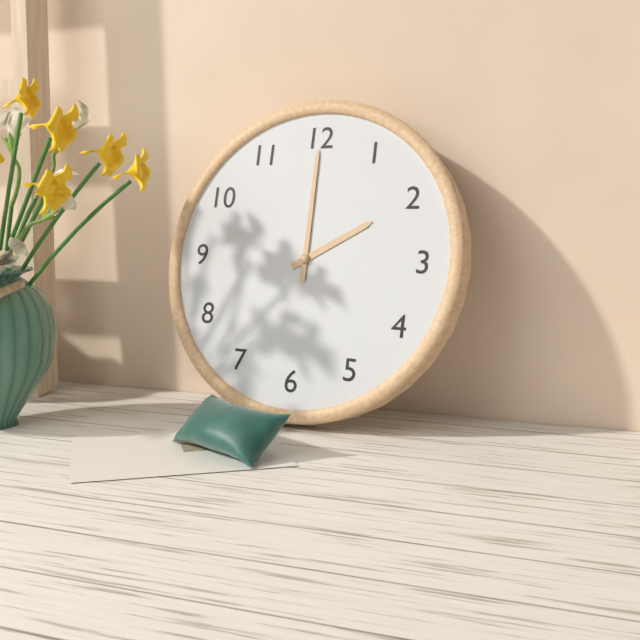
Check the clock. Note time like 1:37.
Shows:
2:00
